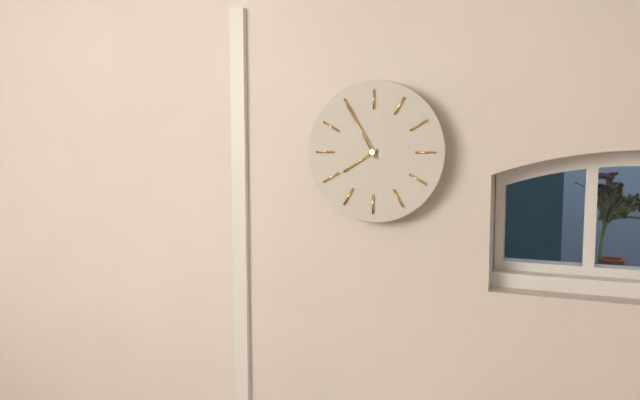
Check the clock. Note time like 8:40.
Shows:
7:55
